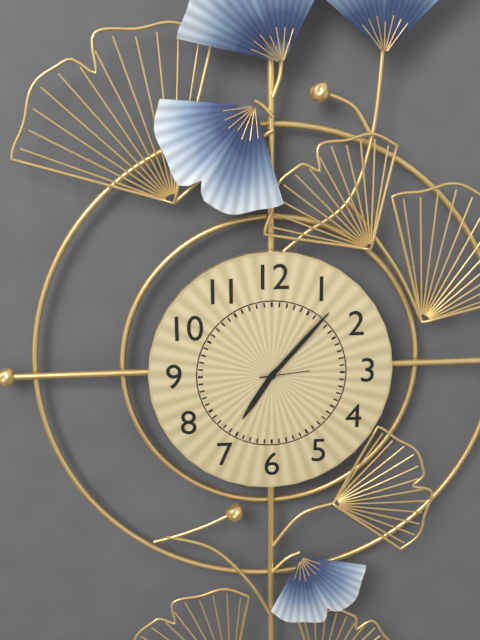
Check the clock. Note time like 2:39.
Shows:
7:07
